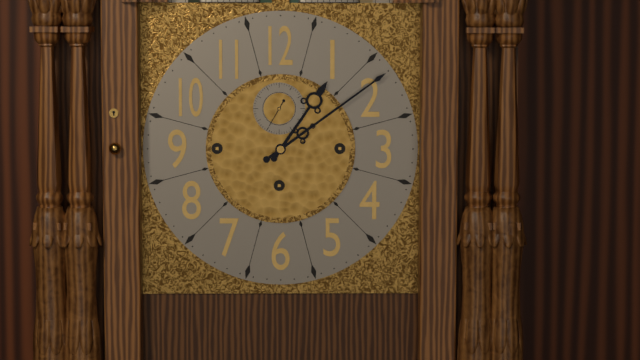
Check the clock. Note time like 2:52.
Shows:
1:09
